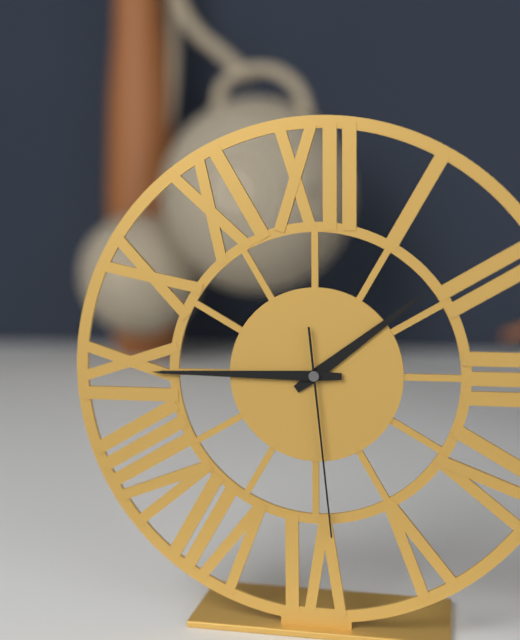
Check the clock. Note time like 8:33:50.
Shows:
1:45:29
